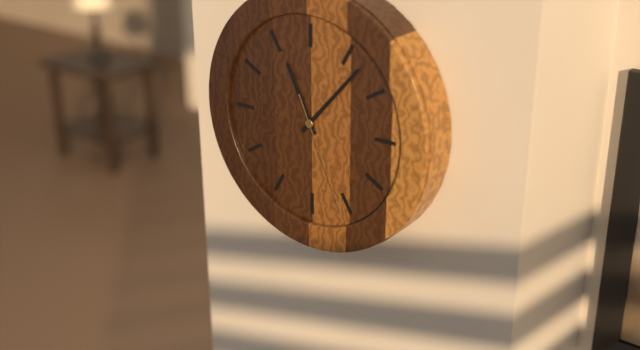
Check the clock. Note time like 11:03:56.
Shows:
11:07:26
